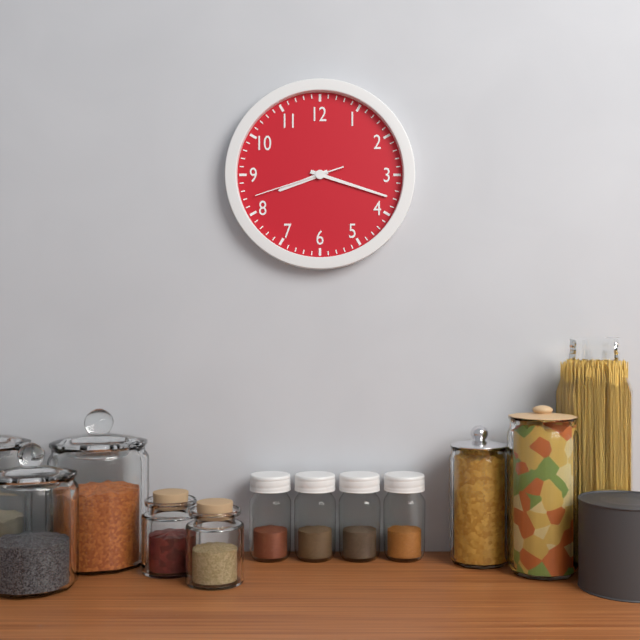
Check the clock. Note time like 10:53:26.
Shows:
8:18:42
